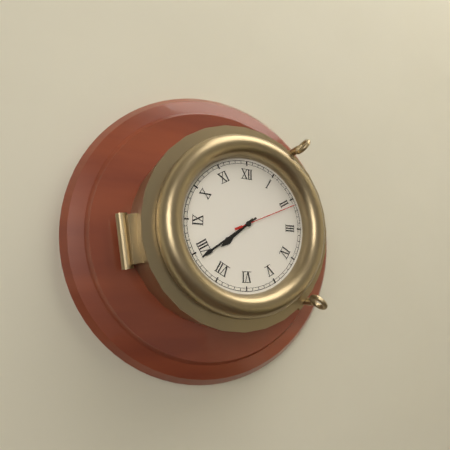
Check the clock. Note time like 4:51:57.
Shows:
7:39:11
